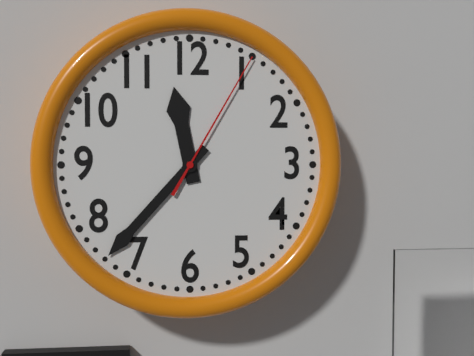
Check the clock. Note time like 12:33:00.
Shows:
11:37:05
